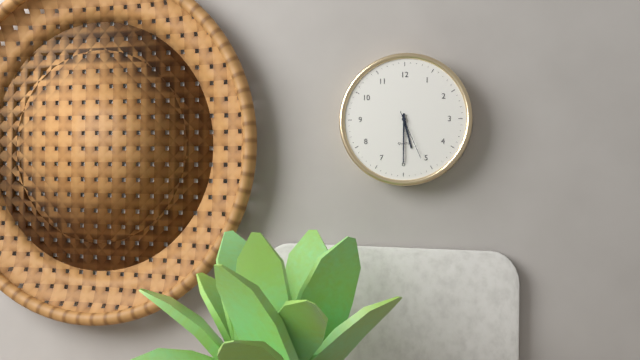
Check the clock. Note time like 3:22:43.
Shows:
5:30:26
